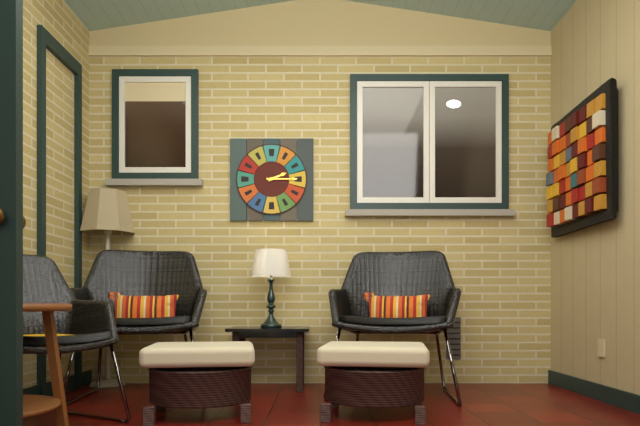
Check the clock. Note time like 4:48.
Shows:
2:15
